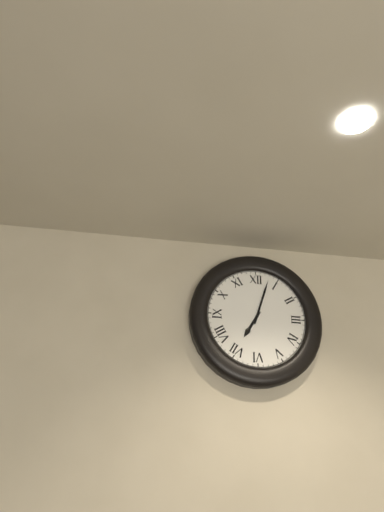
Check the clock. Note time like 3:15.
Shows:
7:03
